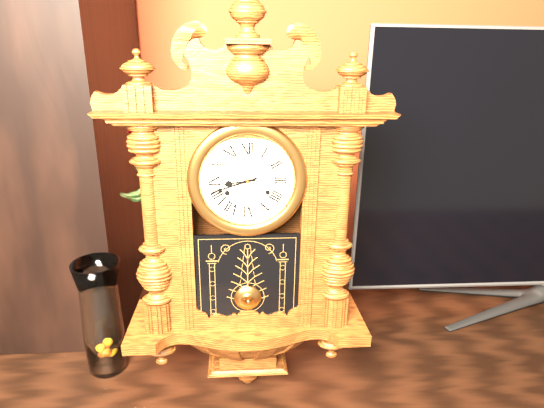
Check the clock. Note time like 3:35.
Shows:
8:42
